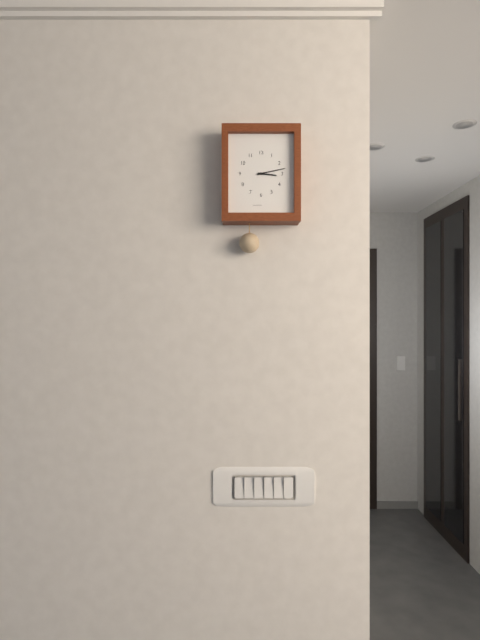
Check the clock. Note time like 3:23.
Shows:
3:13
